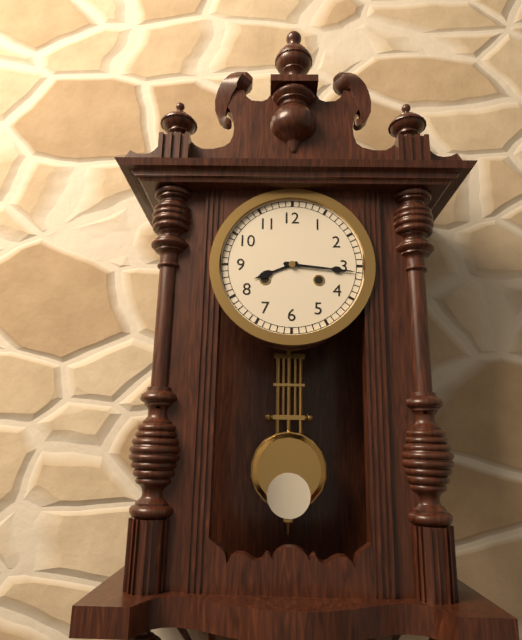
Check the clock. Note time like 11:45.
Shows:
8:16
